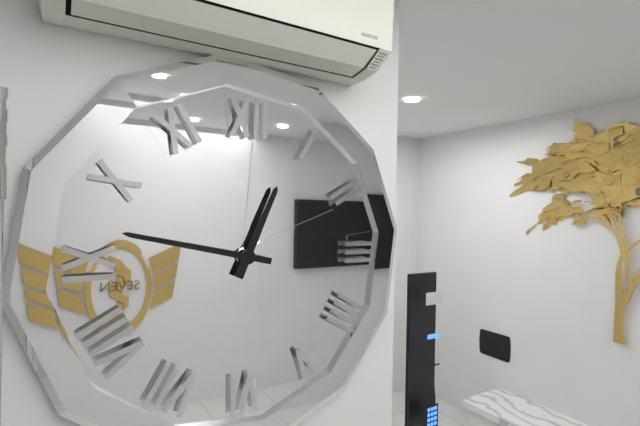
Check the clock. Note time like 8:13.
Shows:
12:47
